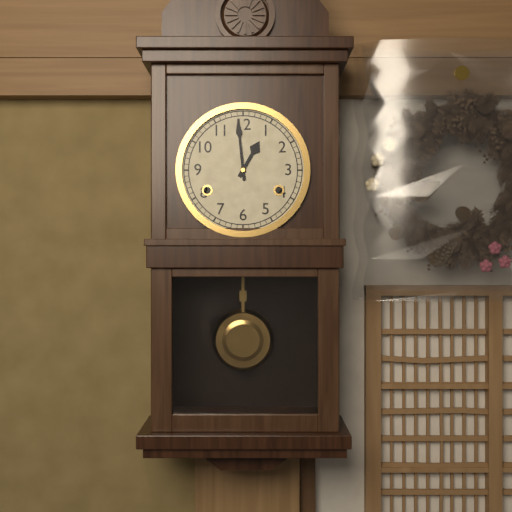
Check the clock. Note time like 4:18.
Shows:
12:59
